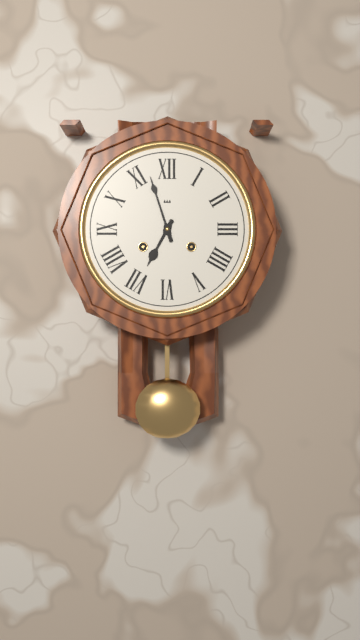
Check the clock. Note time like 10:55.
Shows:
6:57
